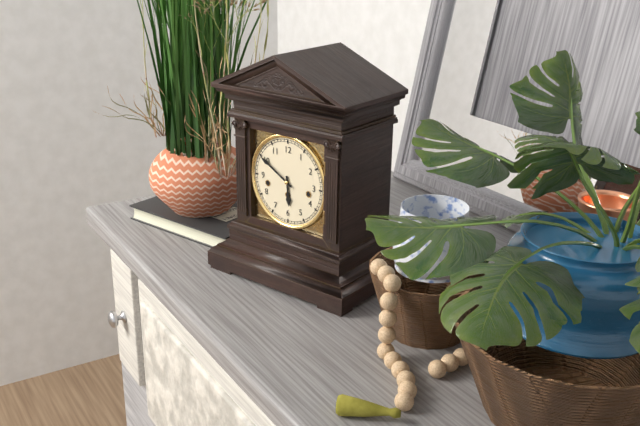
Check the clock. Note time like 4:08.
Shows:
5:50
